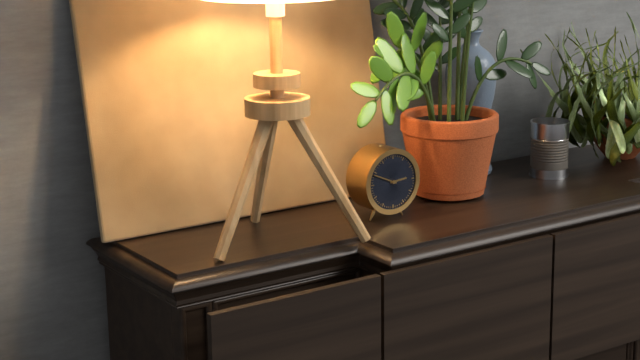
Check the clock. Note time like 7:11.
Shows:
2:49
